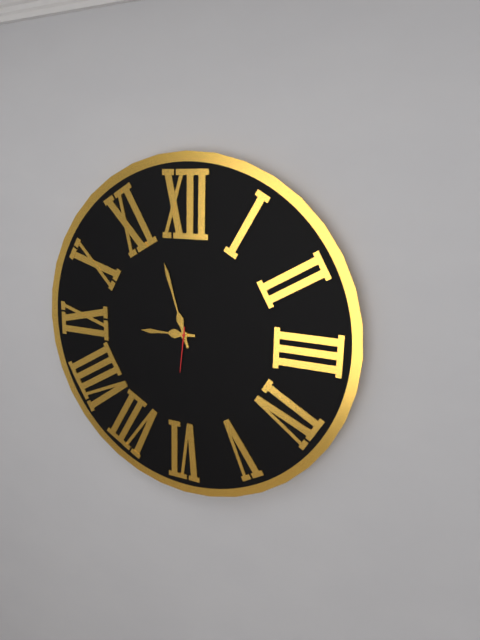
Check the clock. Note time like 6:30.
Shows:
8:57
